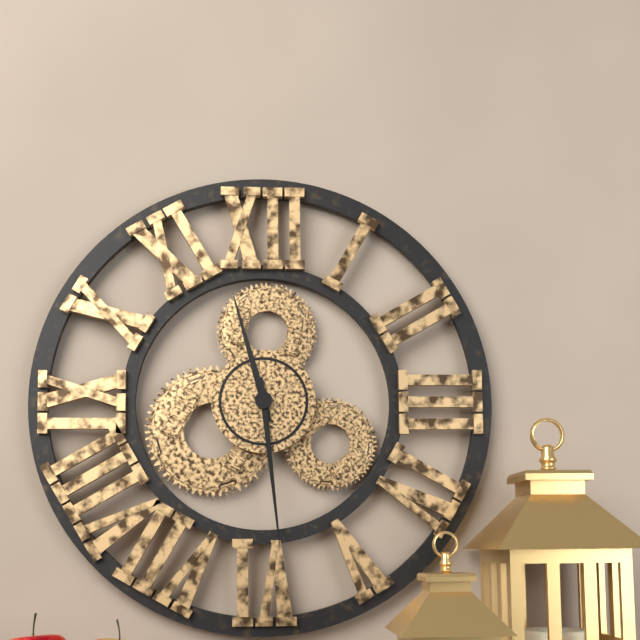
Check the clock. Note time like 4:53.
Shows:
11:29
